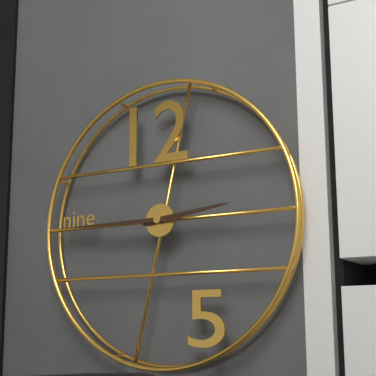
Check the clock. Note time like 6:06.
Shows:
2:45
